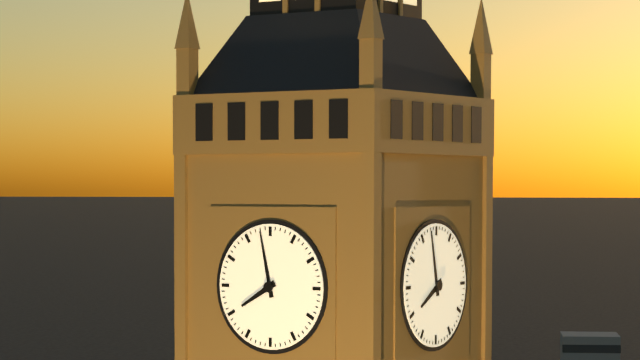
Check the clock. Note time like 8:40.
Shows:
7:58
